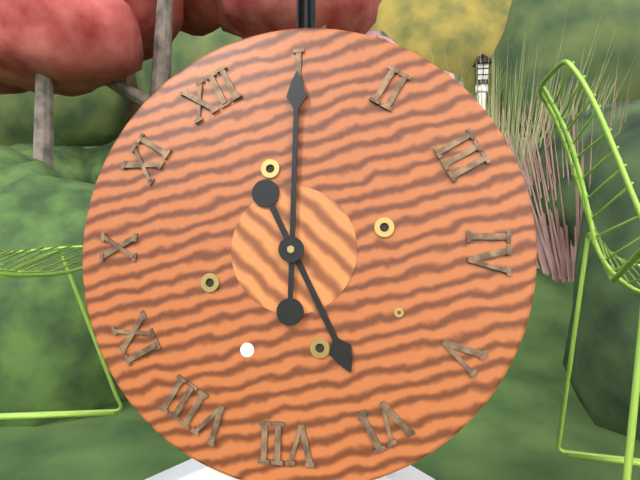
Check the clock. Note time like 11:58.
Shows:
6:05
